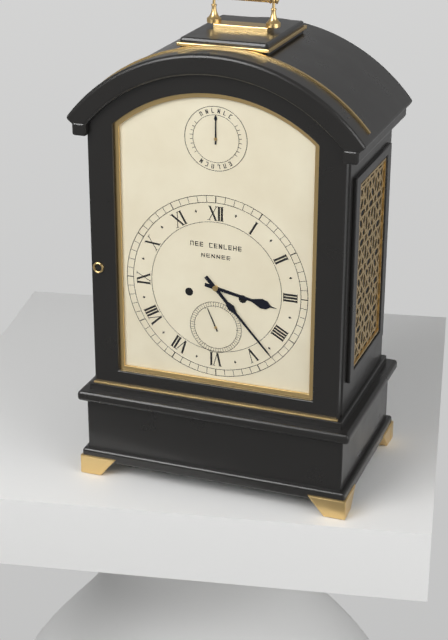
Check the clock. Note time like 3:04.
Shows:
3:23
